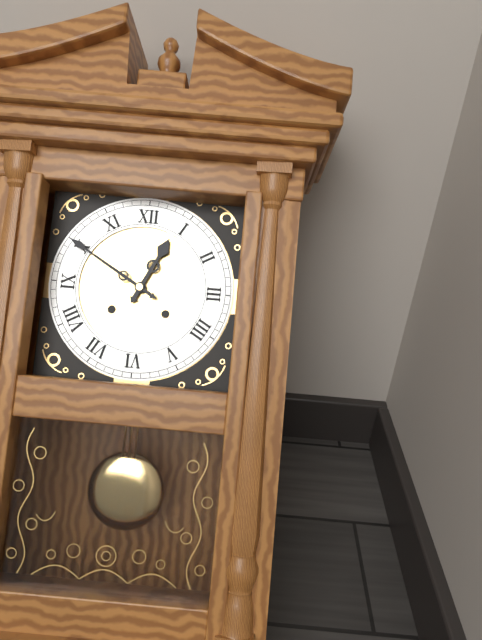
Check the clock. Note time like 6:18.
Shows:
12:50
